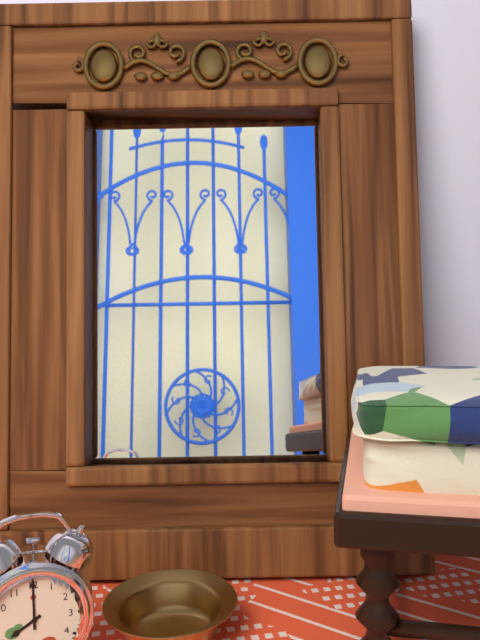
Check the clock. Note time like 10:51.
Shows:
8:00
